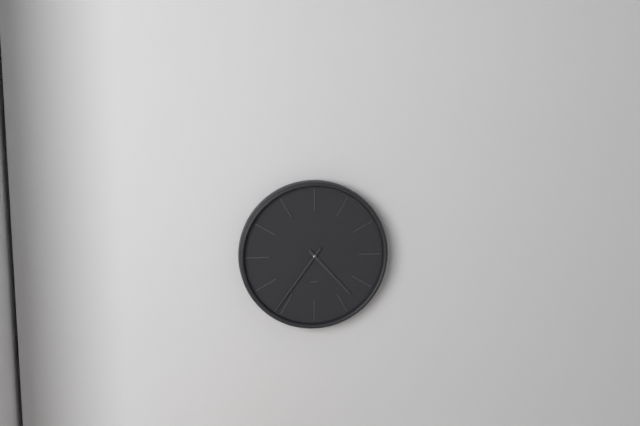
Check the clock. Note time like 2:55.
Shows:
4:36
